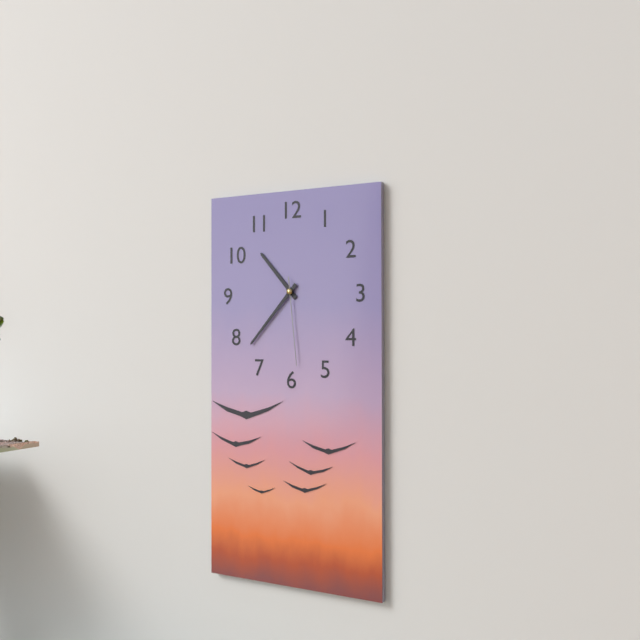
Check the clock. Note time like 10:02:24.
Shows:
10:37:29
